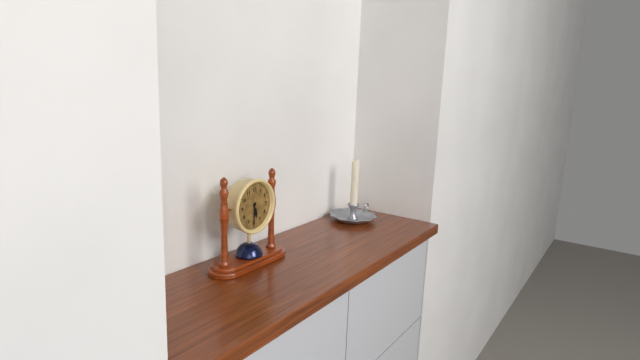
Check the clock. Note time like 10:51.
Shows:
5:31
